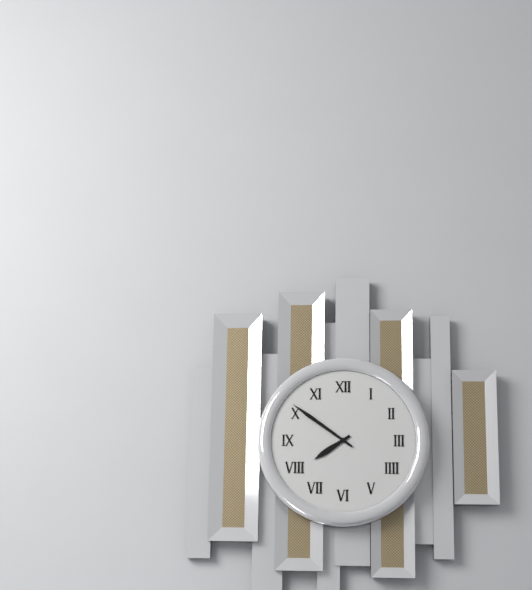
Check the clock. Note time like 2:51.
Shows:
7:51
